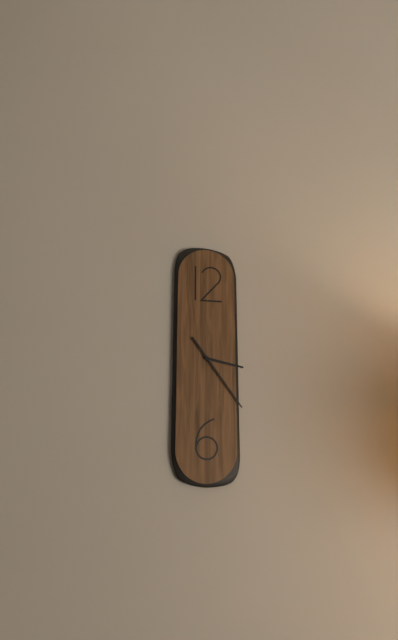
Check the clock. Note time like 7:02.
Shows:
3:24
